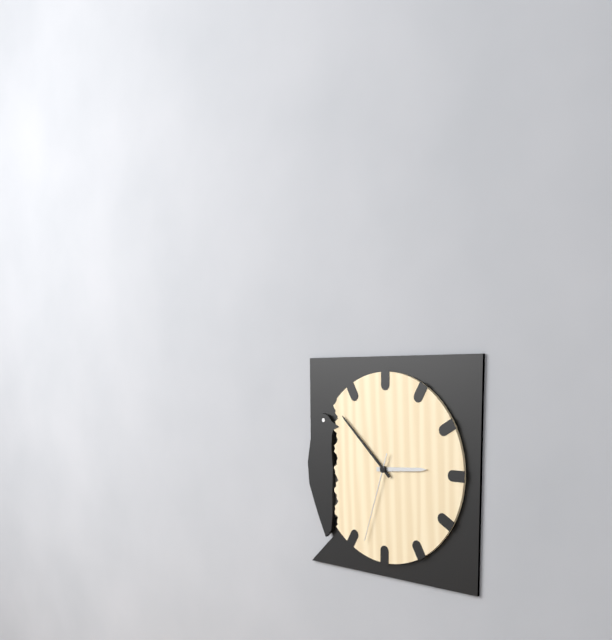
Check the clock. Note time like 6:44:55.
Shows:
2:52:33
